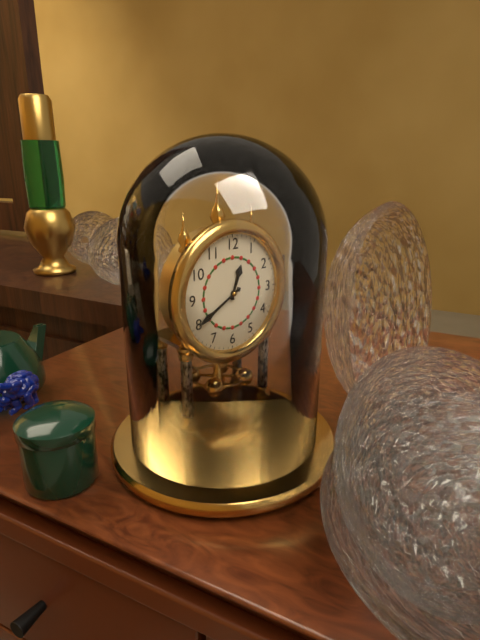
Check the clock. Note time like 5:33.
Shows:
12:40
